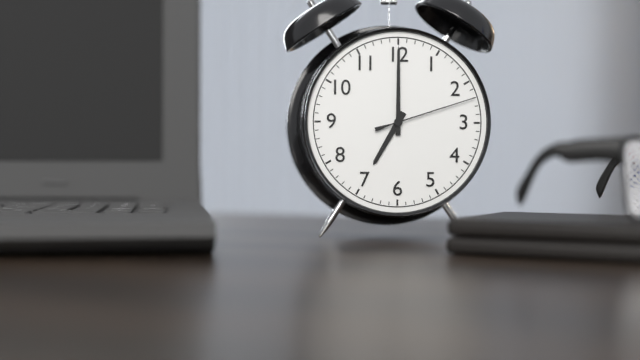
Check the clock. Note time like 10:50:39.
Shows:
7:00:12
